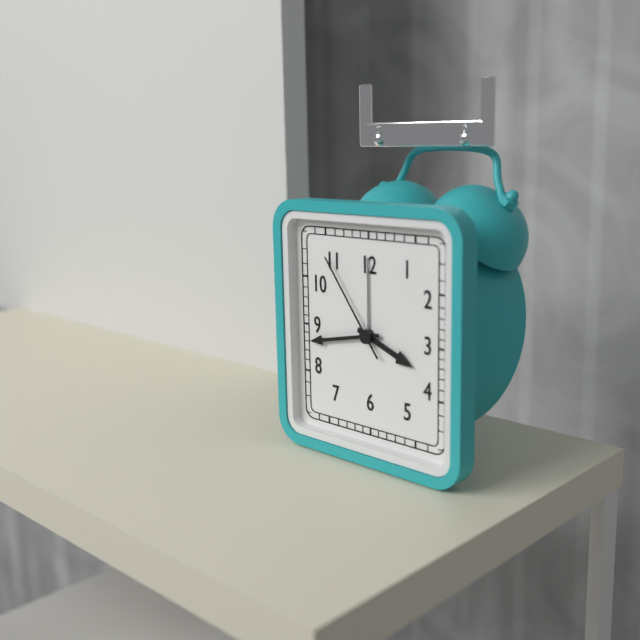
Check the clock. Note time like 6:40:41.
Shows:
3:43:54
